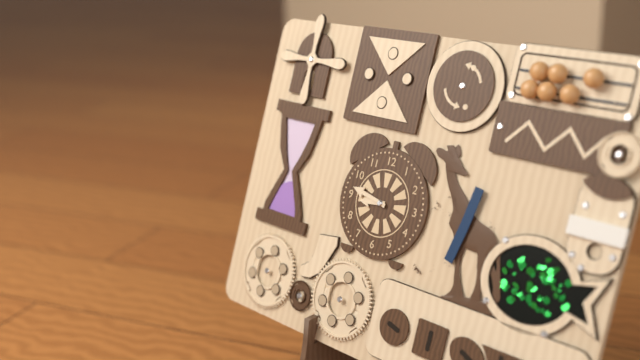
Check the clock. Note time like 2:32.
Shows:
8:47
